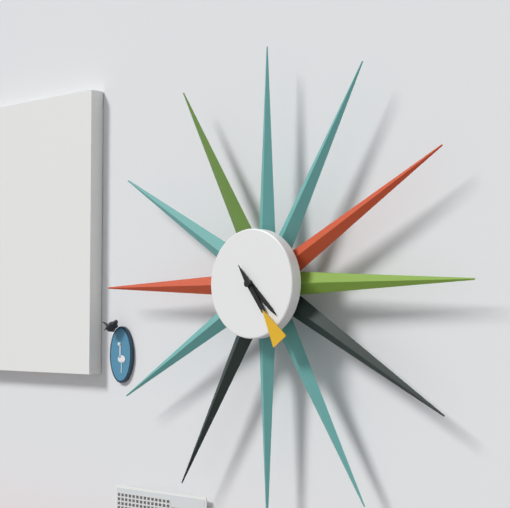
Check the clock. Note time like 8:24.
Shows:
4:24
